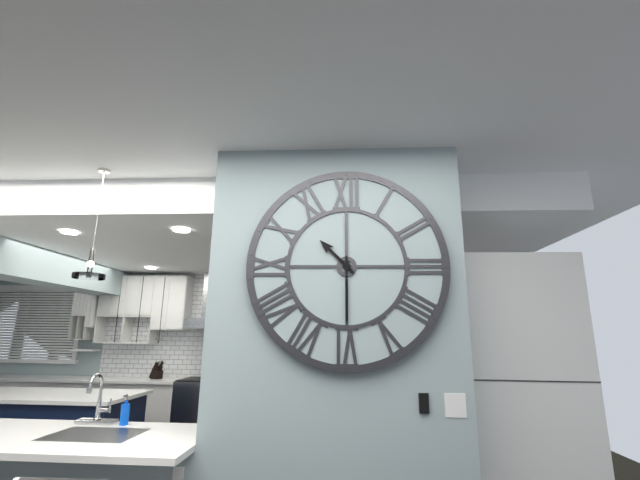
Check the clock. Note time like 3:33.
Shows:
10:30
